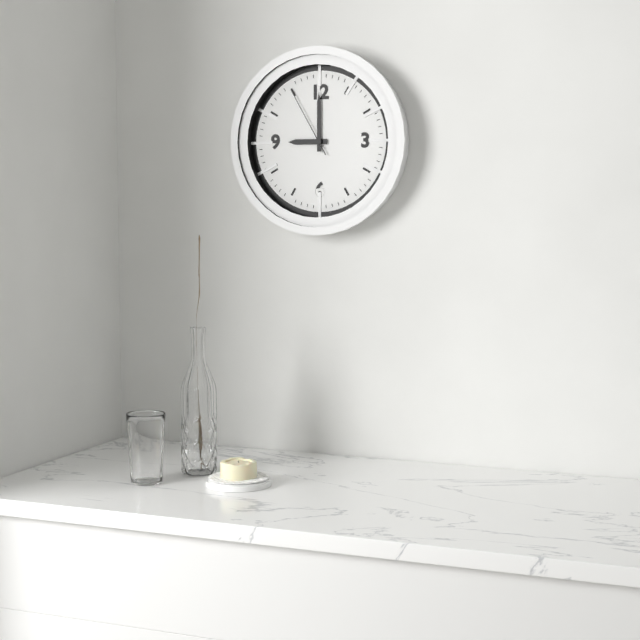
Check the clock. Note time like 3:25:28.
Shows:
9:00:55
